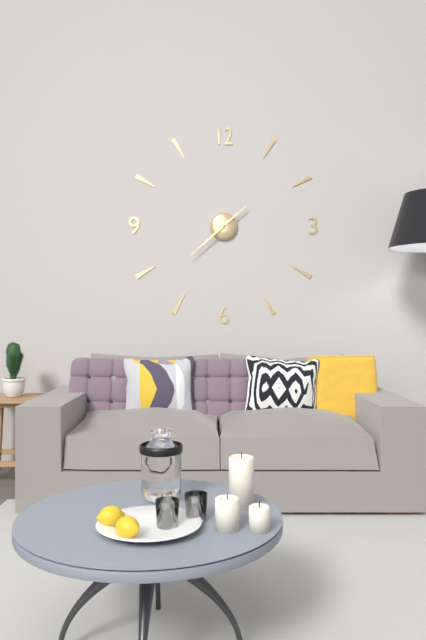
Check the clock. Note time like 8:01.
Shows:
1:38
